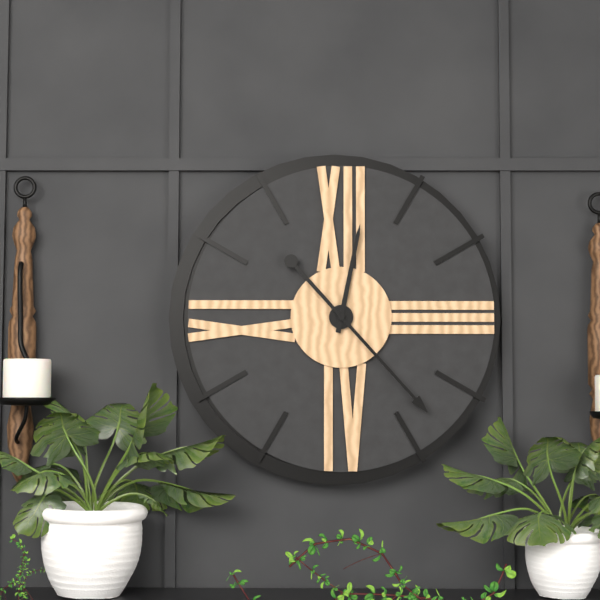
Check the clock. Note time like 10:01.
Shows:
12:23
